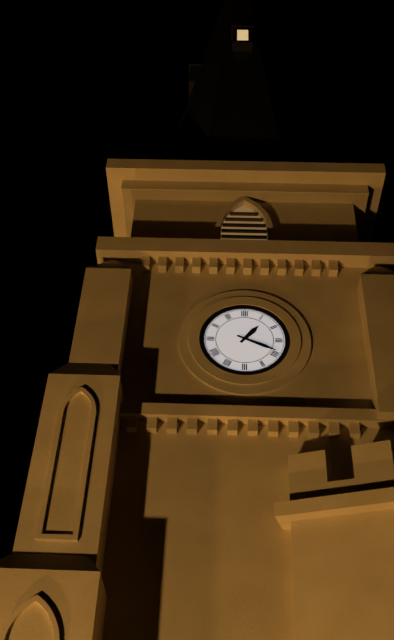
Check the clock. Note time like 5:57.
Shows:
1:19
